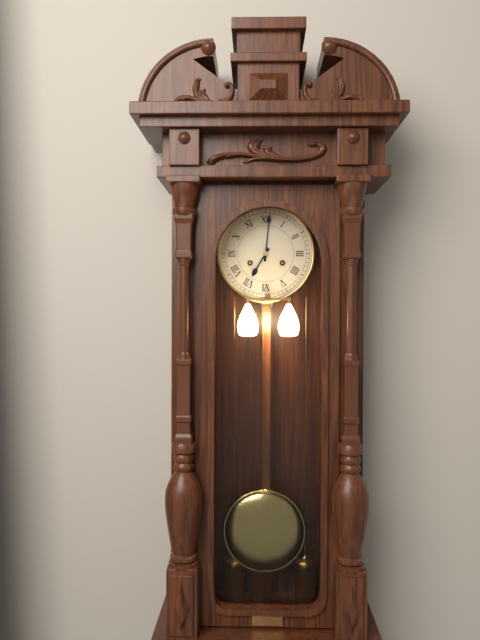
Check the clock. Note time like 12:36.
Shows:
7:01
